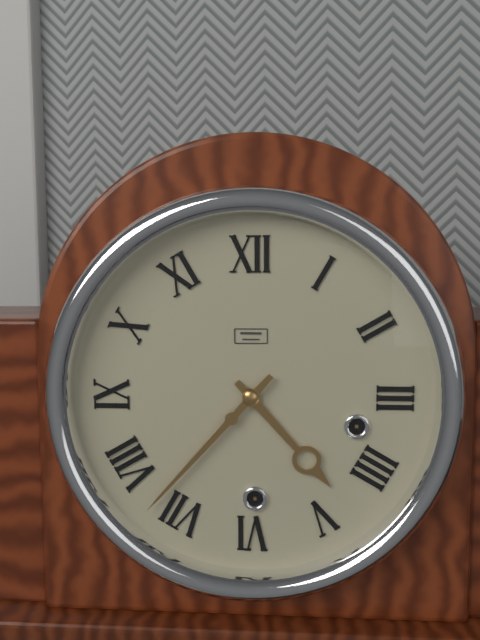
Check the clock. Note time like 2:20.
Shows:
4:37
